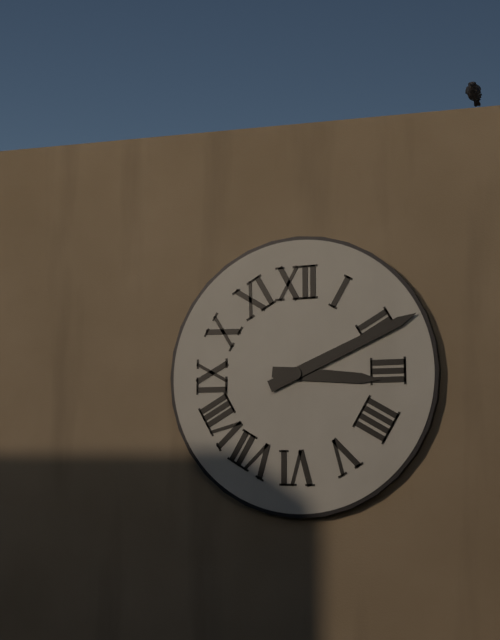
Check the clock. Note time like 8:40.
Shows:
3:11
